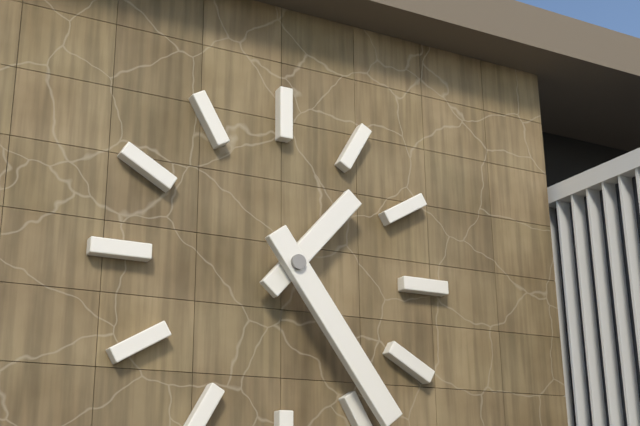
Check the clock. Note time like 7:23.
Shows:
1:24
